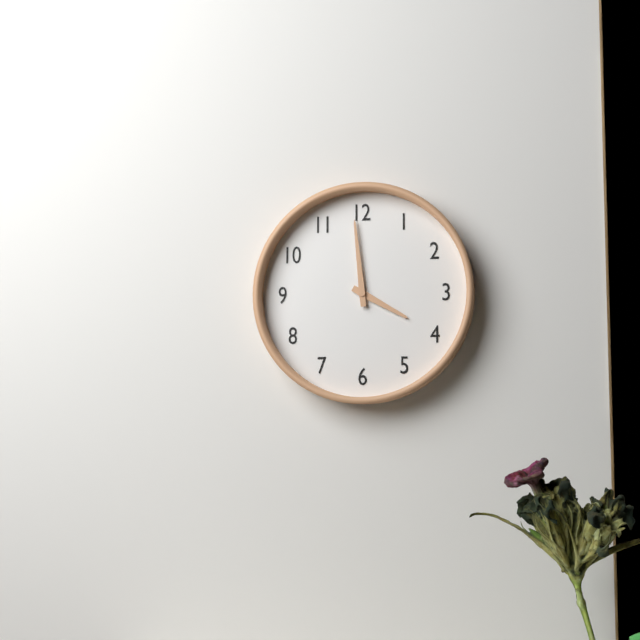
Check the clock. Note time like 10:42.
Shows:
3:59
